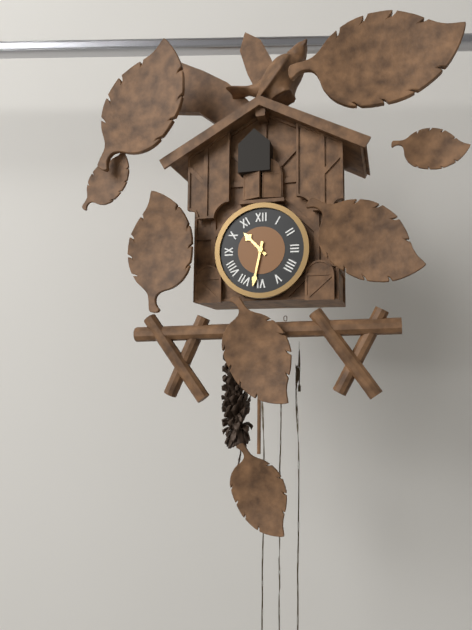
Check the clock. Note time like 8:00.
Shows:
10:32
